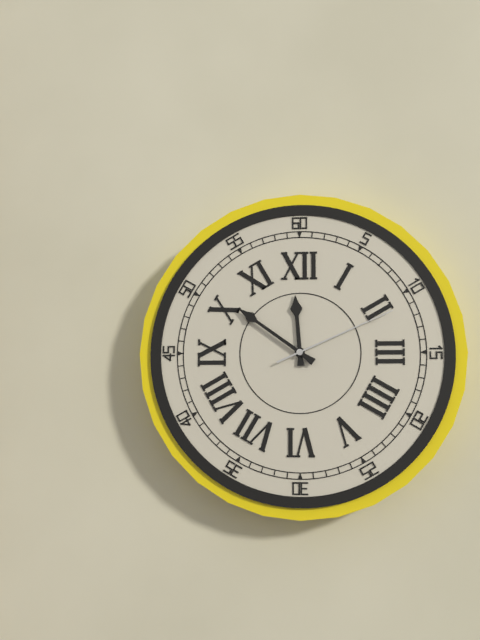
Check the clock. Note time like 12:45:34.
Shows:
11:51:11
